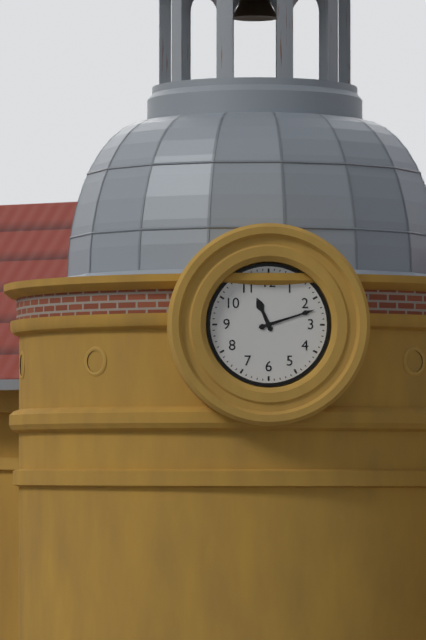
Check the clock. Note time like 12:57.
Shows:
11:12
